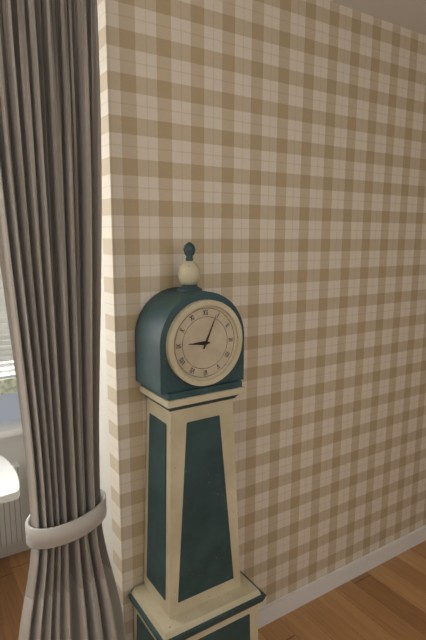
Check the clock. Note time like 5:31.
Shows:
9:04
